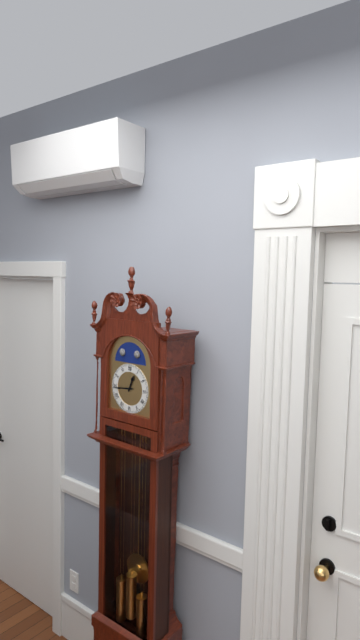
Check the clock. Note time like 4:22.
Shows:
12:44
